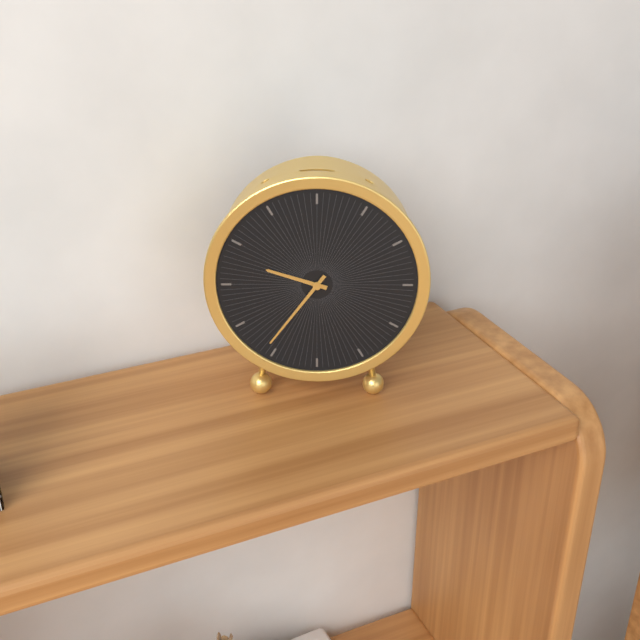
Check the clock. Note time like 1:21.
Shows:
9:36
